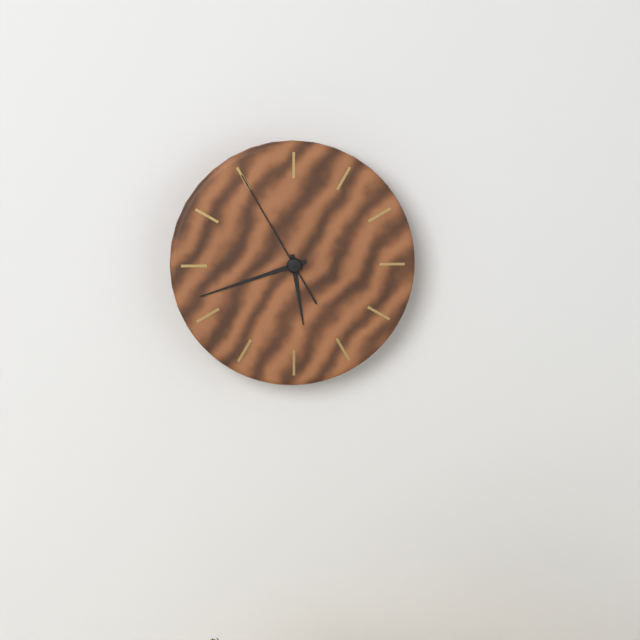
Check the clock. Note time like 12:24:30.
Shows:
5:42:55
